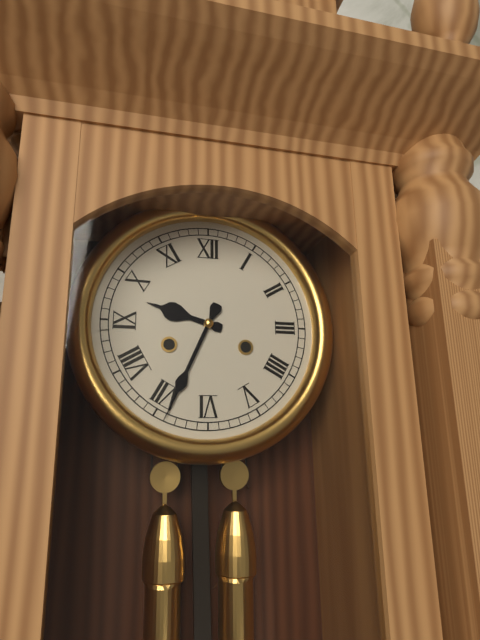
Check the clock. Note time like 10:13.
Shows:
9:34
